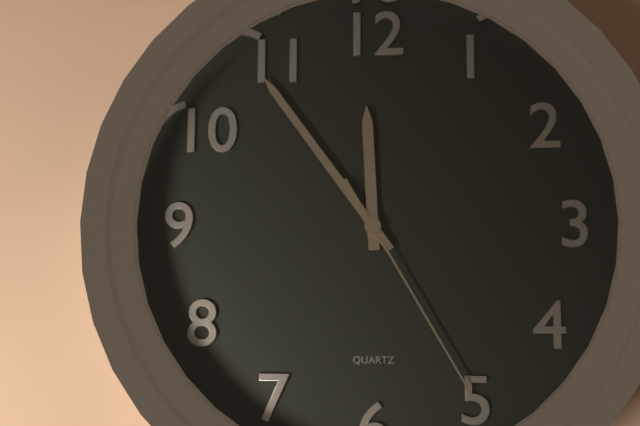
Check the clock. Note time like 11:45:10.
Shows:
11:54:25
